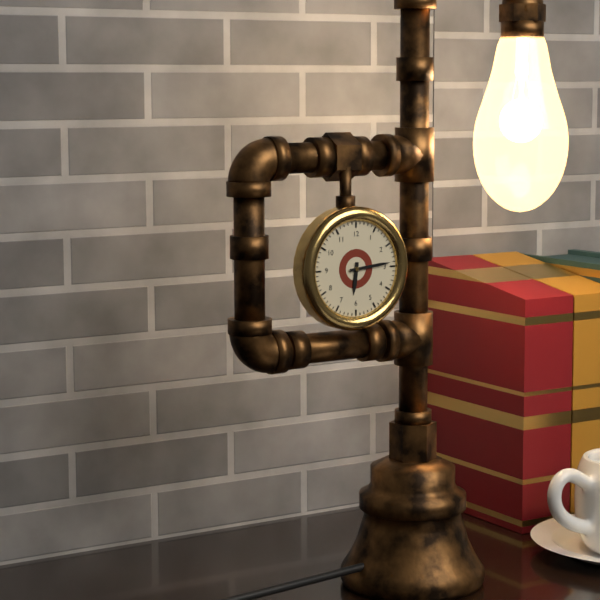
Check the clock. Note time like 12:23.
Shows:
6:14
